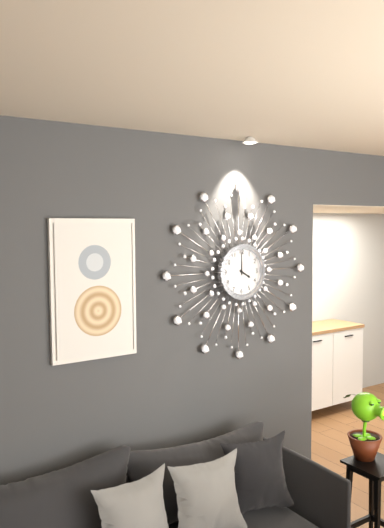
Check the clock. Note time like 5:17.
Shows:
4:00
